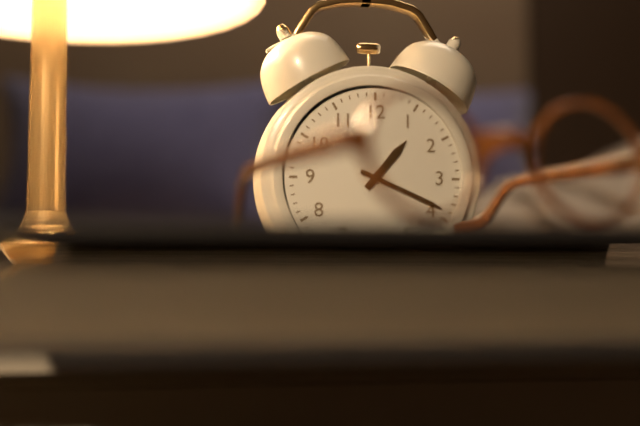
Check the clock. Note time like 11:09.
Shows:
1:19
